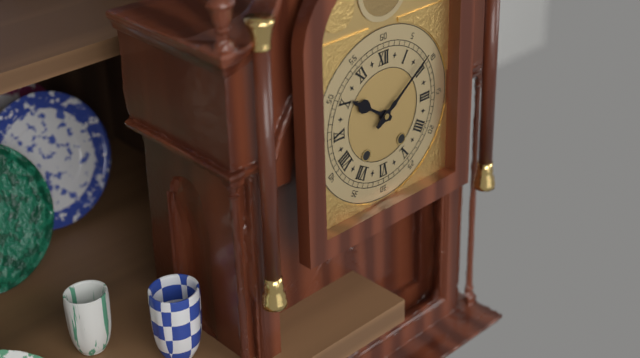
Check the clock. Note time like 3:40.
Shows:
10:09
